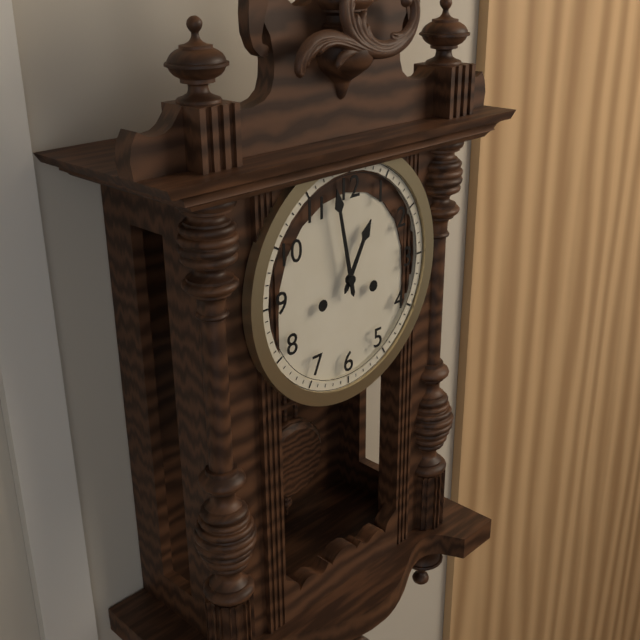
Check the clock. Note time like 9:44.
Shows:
12:58
